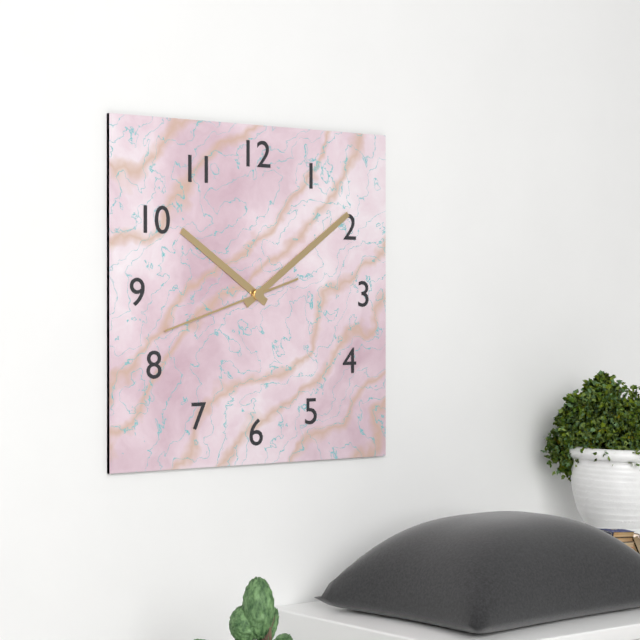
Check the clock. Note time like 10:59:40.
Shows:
10:09:42
